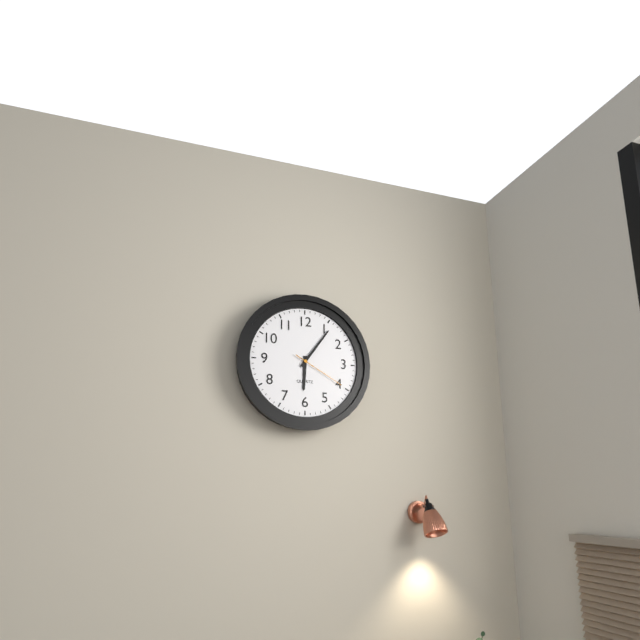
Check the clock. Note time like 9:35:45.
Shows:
6:06:20
